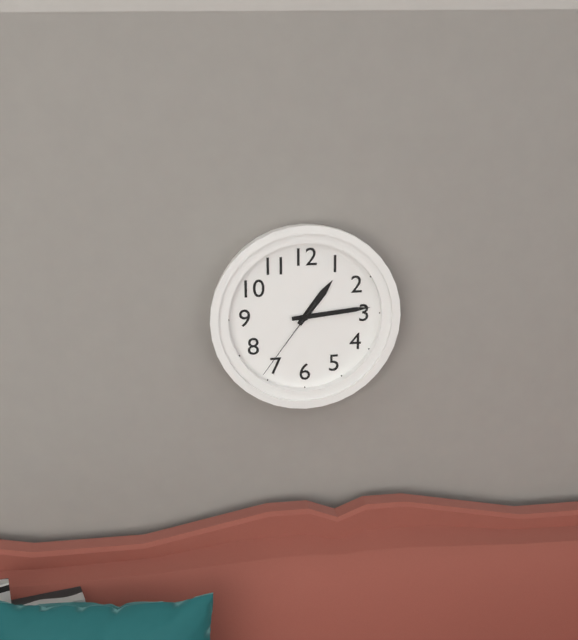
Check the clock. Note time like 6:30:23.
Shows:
1:14:36
